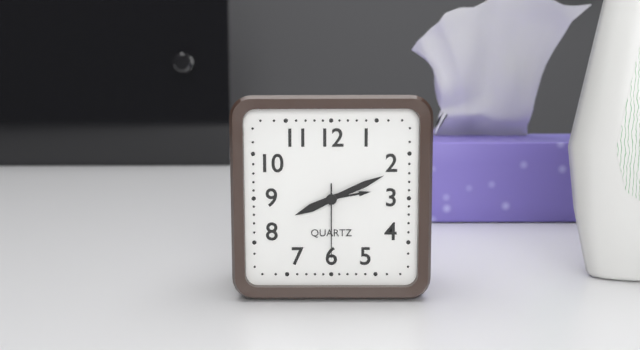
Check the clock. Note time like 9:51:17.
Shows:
8:11:30
